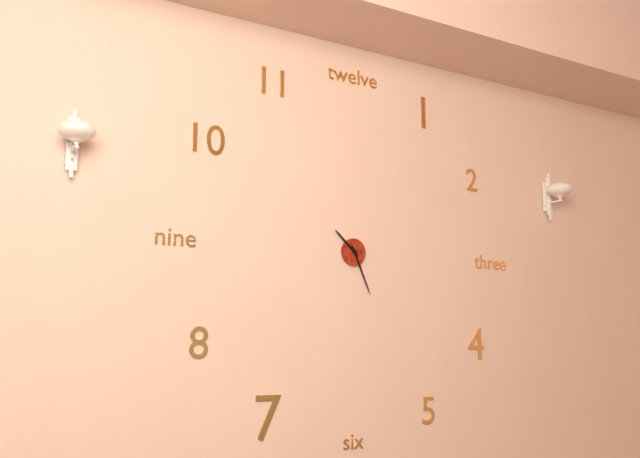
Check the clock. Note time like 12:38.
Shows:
10:26
